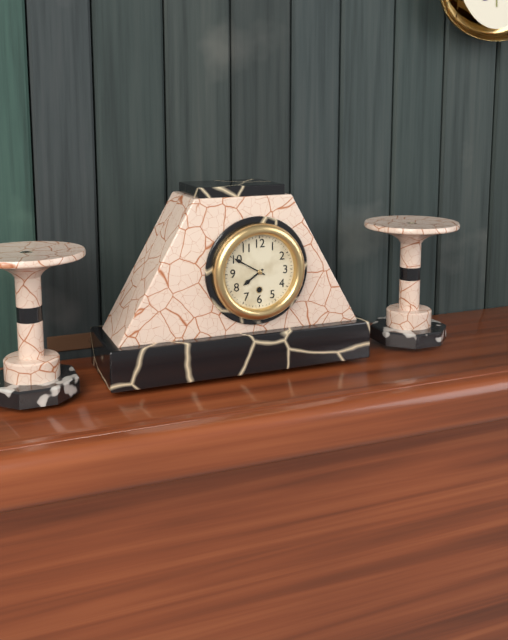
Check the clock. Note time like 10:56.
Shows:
7:50
